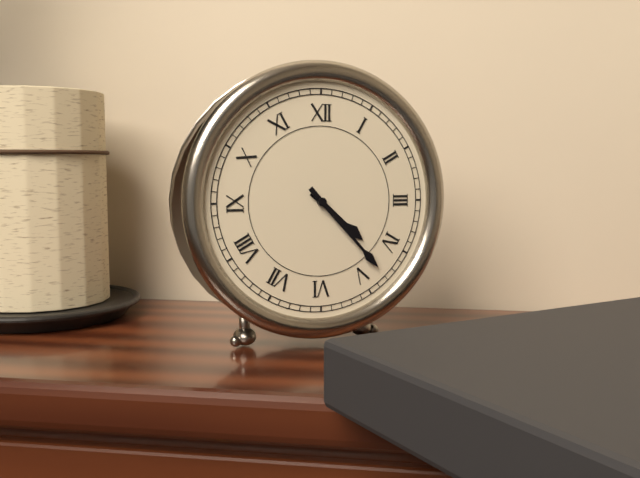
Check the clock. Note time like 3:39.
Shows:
4:23
